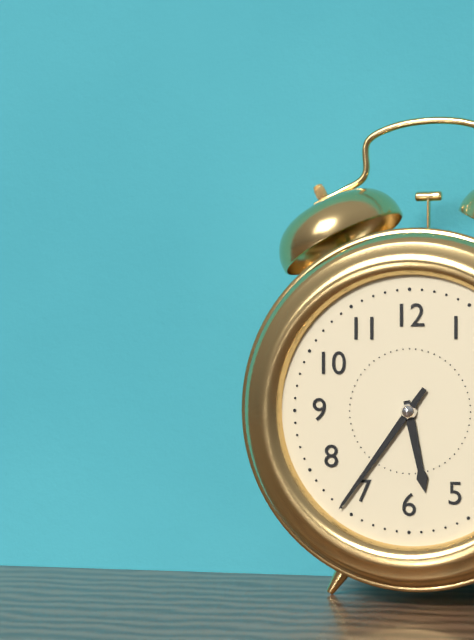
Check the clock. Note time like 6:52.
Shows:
5:36
